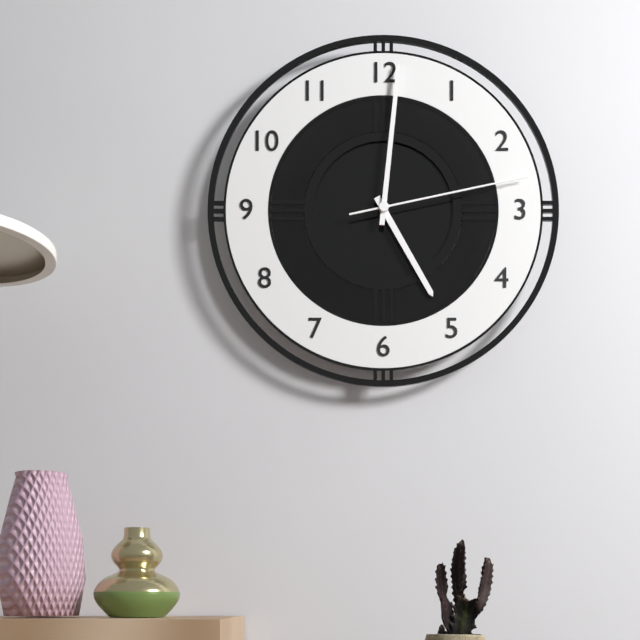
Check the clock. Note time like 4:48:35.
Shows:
5:01:13
